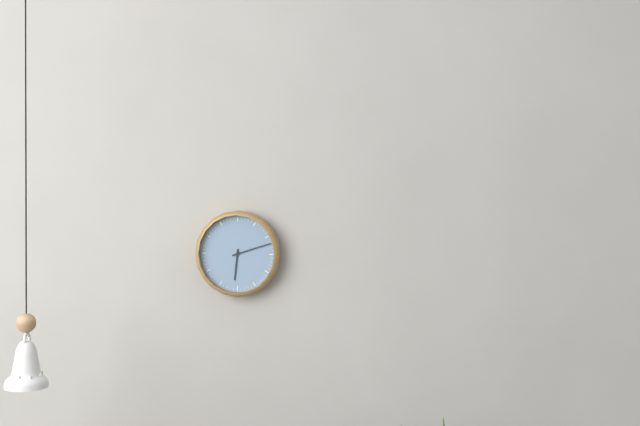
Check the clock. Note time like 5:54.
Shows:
6:12
